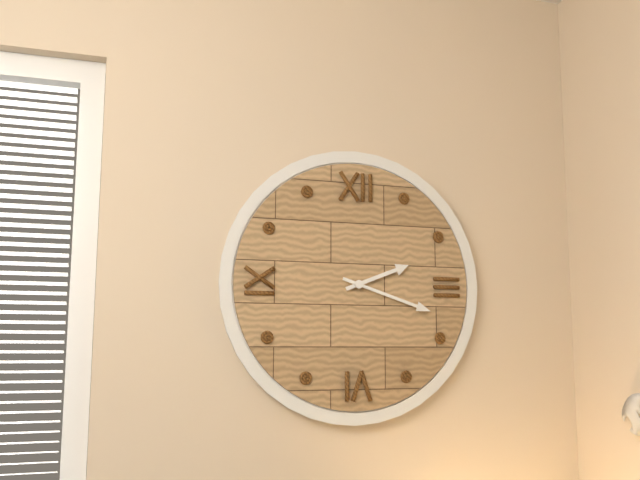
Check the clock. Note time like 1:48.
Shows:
2:18
